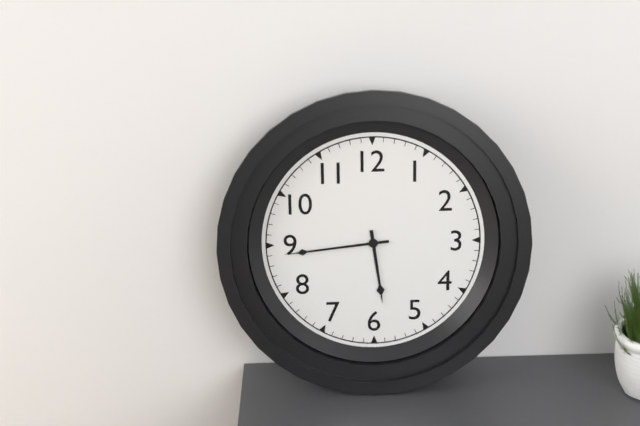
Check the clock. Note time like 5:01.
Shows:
5:44
